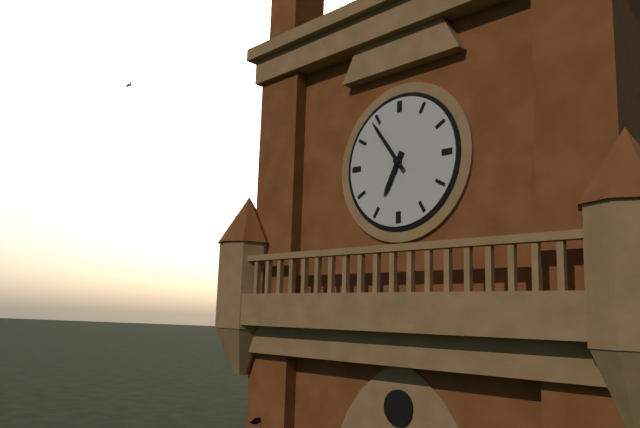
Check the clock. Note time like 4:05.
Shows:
6:54
